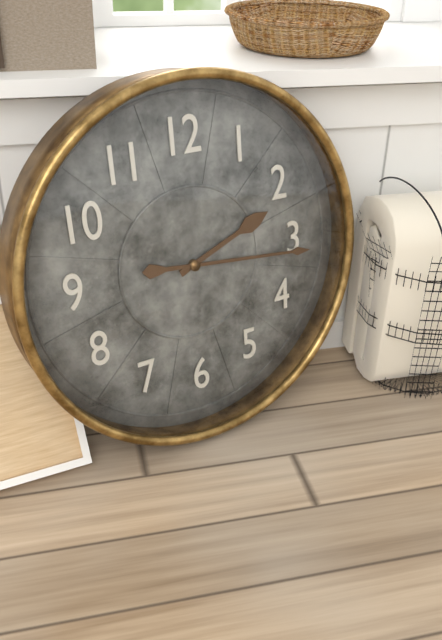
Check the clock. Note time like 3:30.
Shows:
2:16
